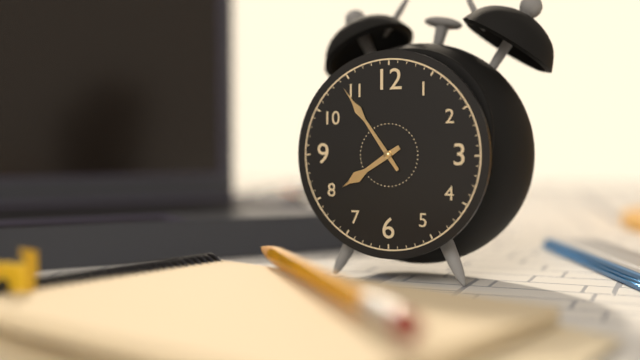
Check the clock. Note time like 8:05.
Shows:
7:54
